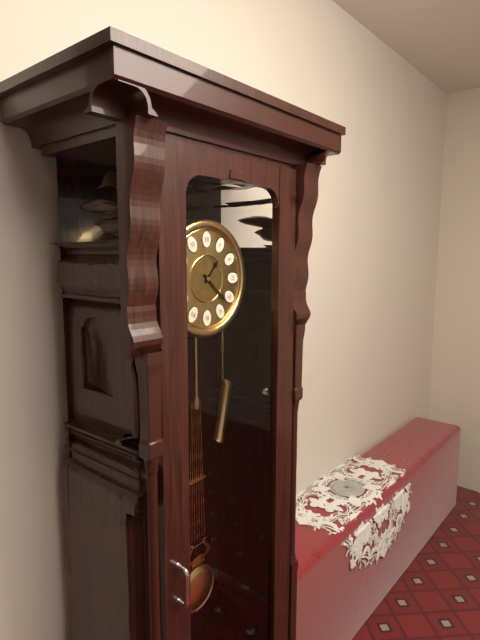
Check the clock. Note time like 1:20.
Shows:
1:22
